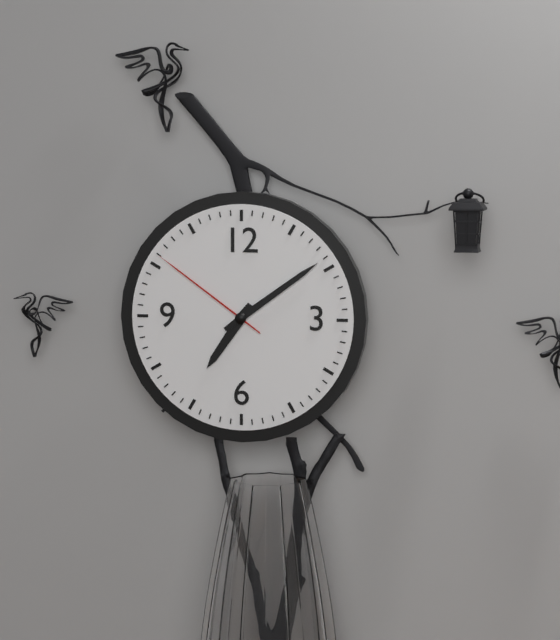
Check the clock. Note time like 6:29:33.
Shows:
7:09:51
